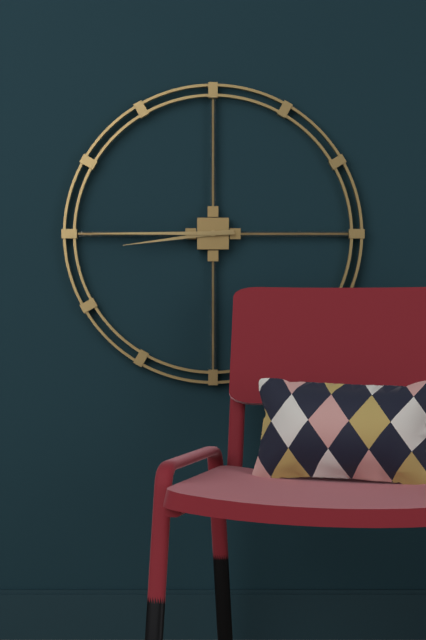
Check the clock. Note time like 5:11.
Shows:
8:45
